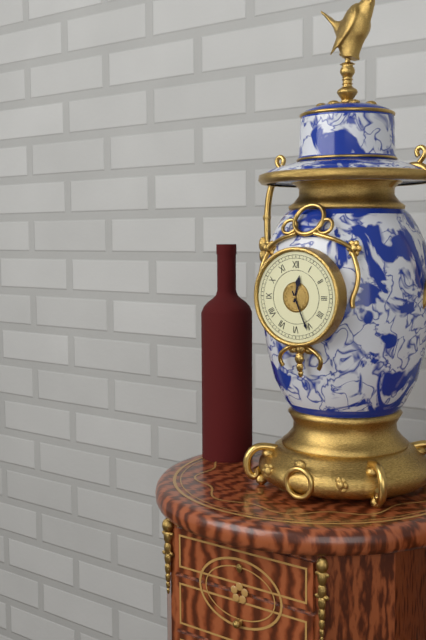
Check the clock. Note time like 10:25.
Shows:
12:26
